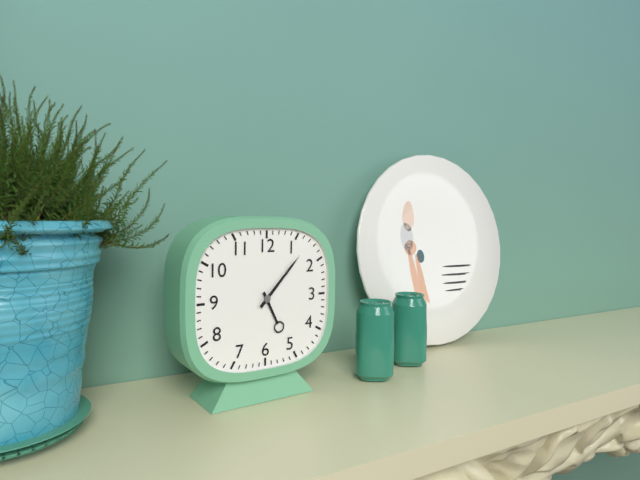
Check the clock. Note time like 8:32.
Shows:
5:07
